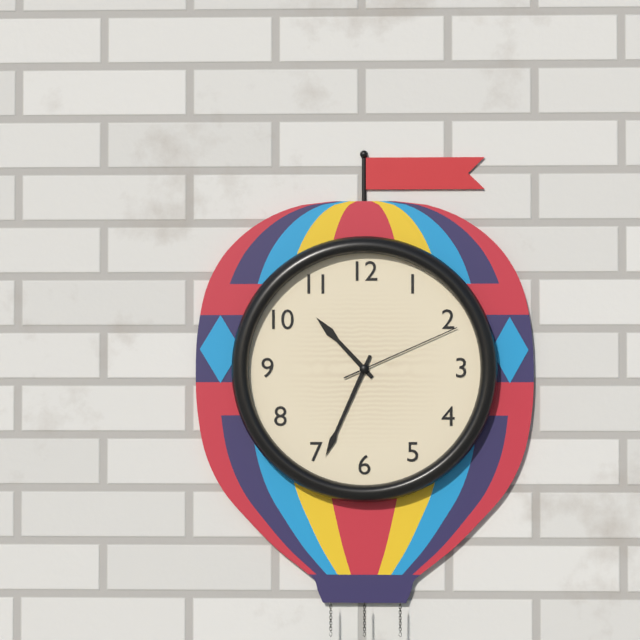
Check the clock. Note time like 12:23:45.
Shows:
10:34:11
